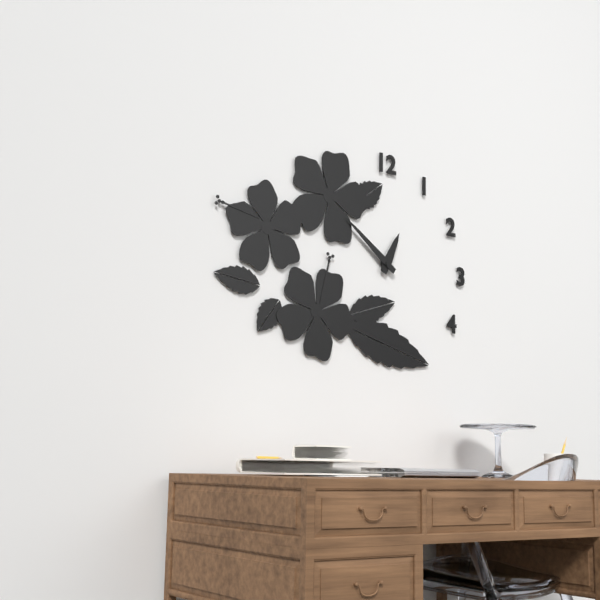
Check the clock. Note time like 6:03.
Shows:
12:51
